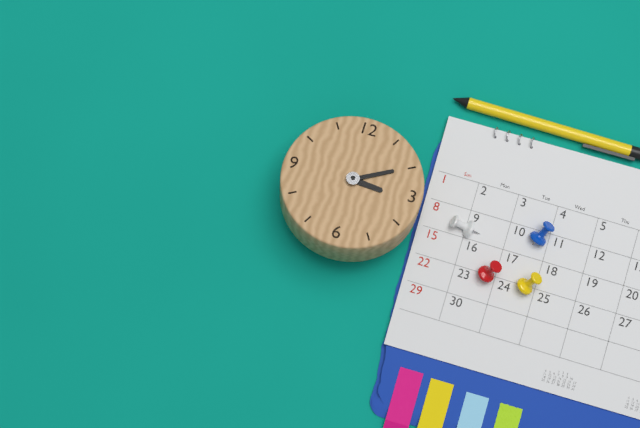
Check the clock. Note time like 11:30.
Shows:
3:10
